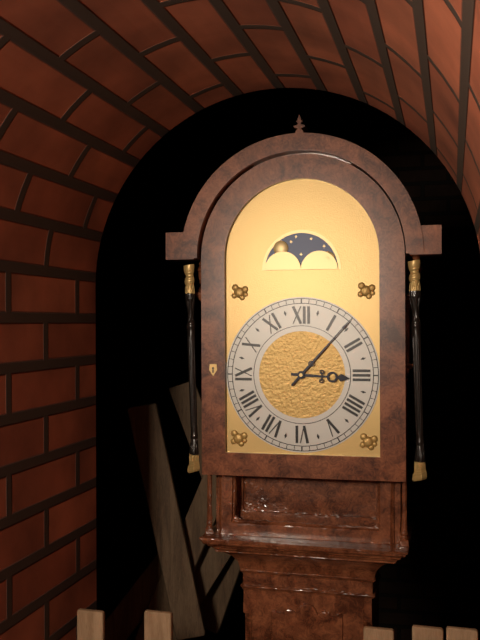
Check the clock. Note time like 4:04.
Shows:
3:07
